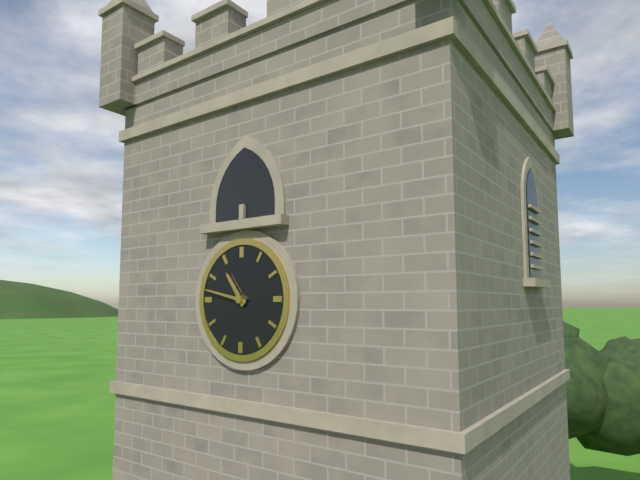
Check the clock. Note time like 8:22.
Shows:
10:47
